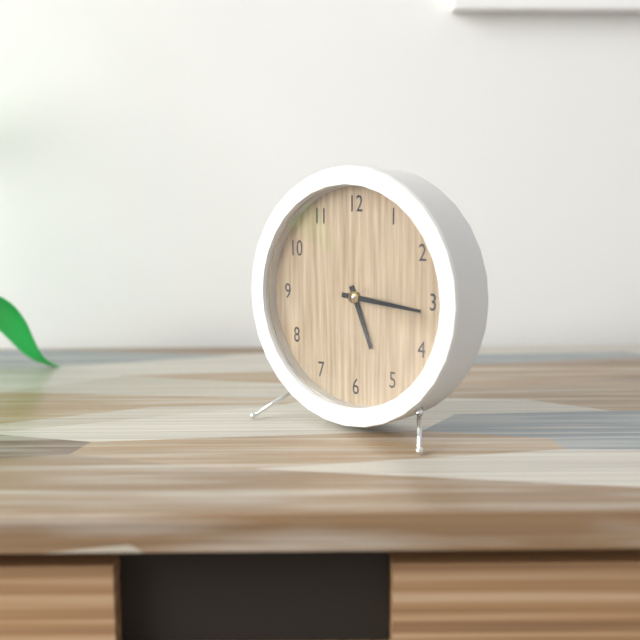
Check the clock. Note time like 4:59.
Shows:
5:16
